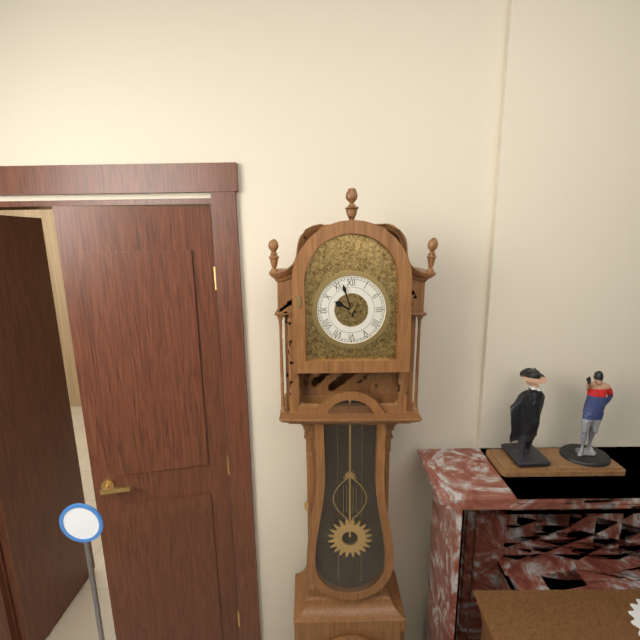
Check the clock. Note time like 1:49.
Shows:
9:57
